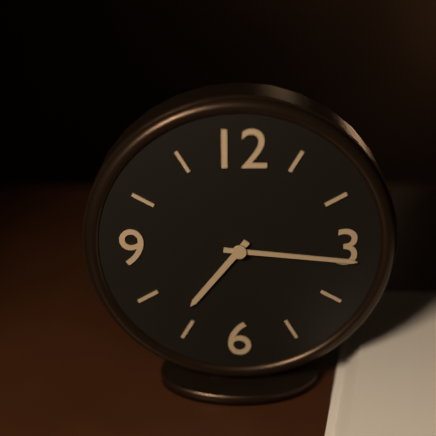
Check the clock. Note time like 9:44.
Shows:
7:16
